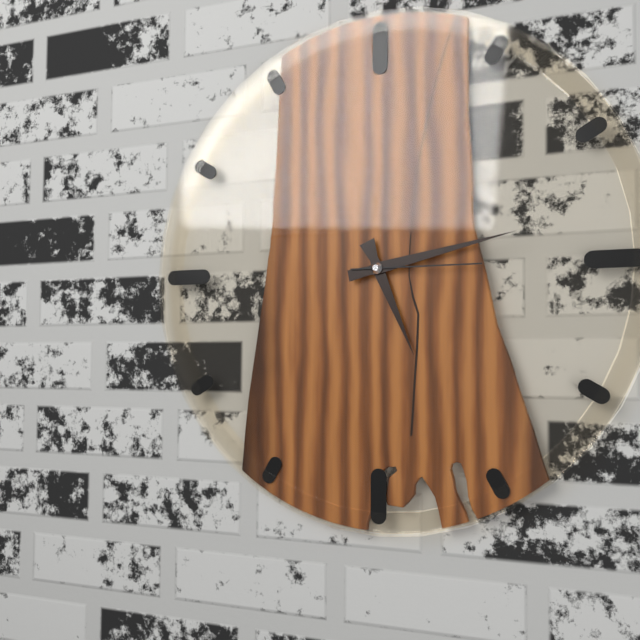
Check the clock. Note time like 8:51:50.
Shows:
5:13:15
